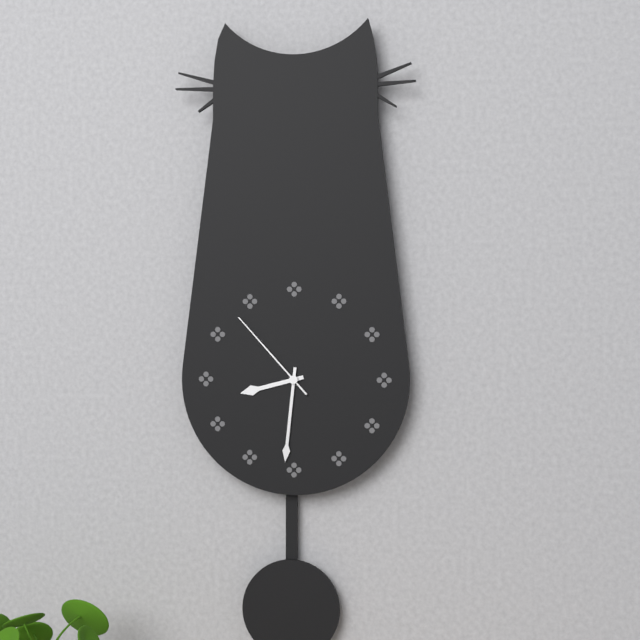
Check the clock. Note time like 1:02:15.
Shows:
8:31:53
